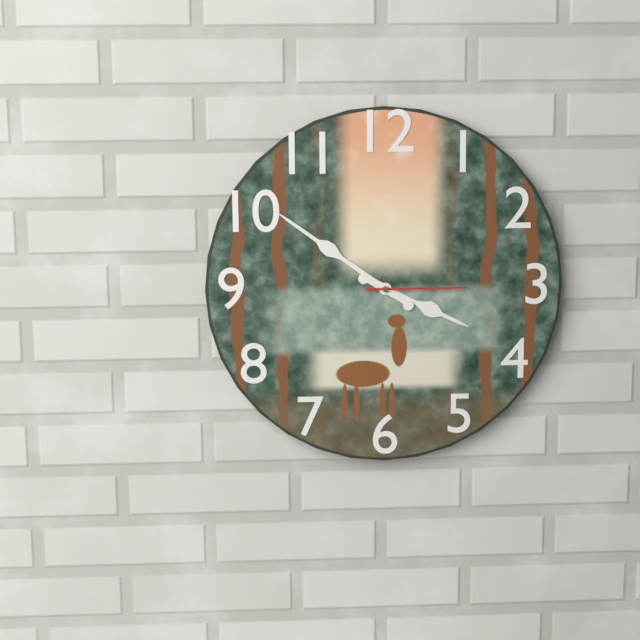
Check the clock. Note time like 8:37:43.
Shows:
3:51:15
